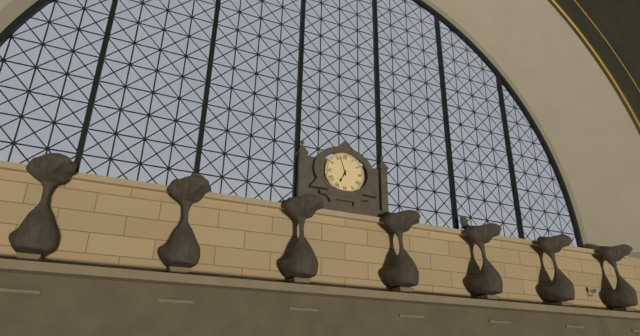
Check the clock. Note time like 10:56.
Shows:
6:57
